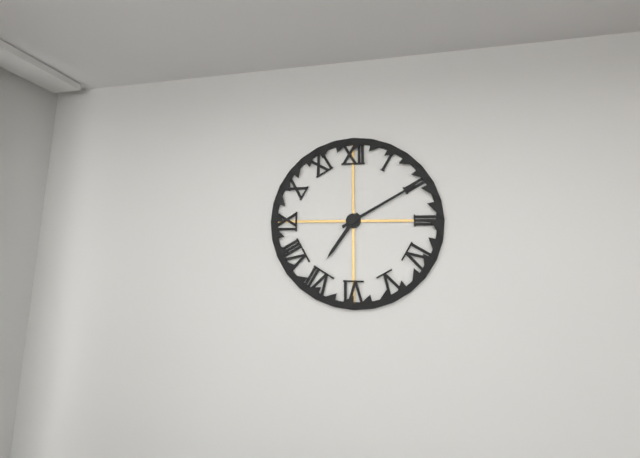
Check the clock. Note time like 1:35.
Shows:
7:10
